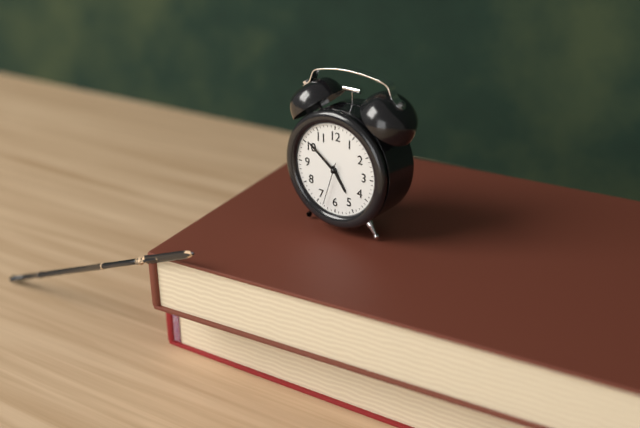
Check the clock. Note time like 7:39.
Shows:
4:51
